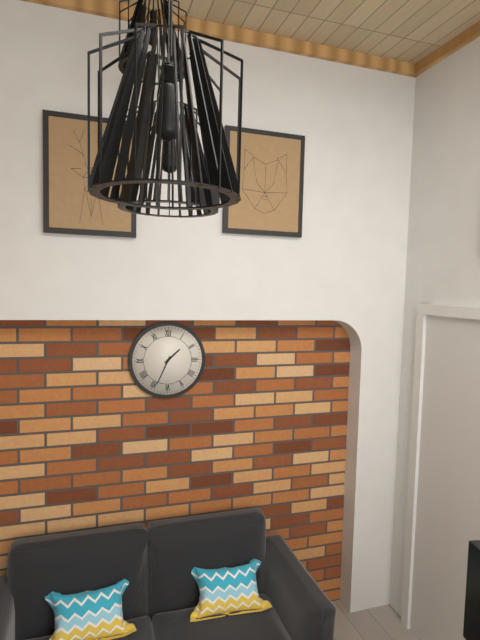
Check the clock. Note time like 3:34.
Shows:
1:34
